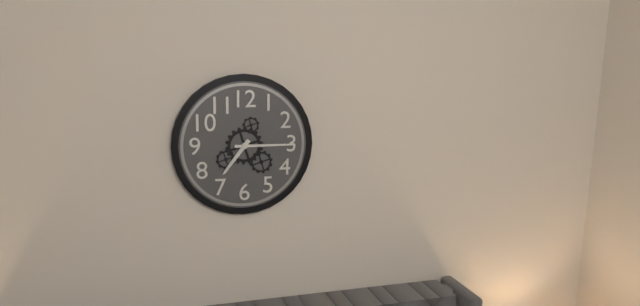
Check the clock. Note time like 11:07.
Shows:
7:15
